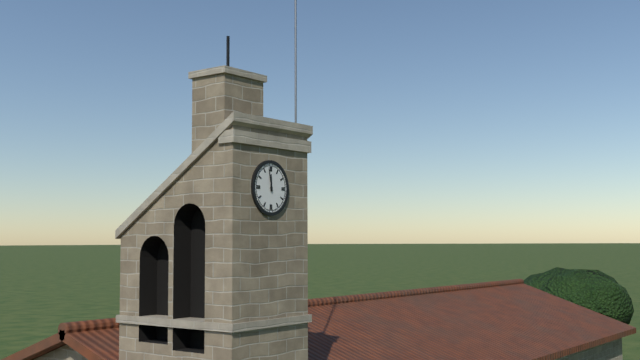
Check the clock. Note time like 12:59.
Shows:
11:58
